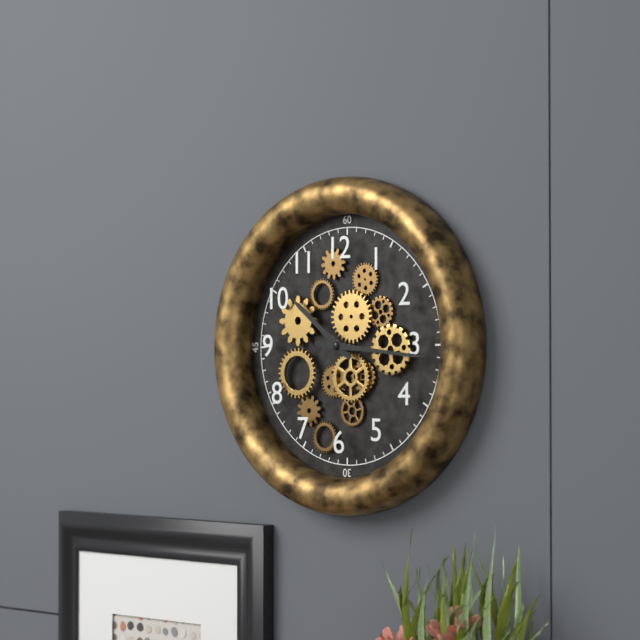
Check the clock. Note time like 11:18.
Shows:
10:16
